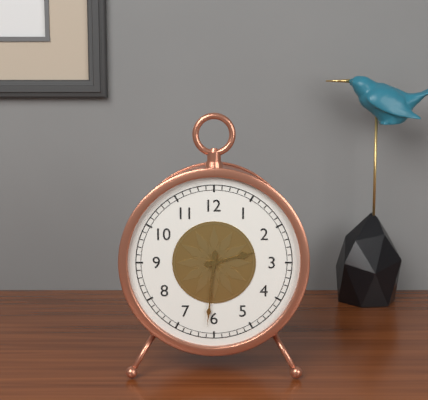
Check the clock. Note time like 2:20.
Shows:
2:31
